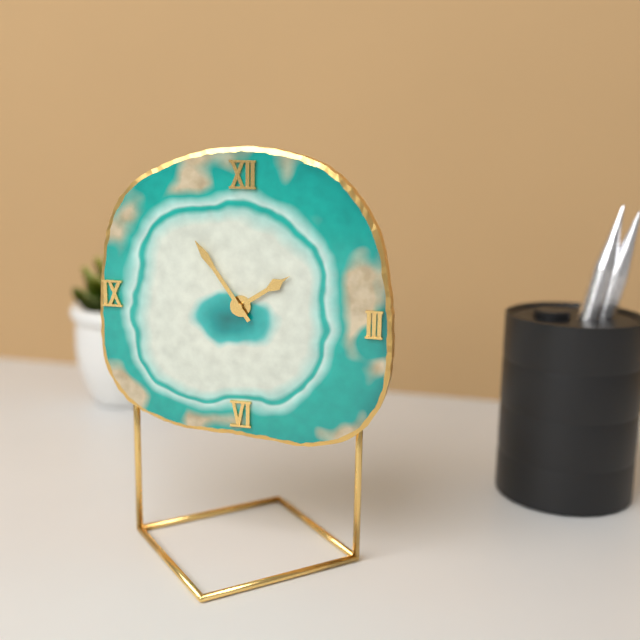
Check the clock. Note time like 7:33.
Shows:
1:54
